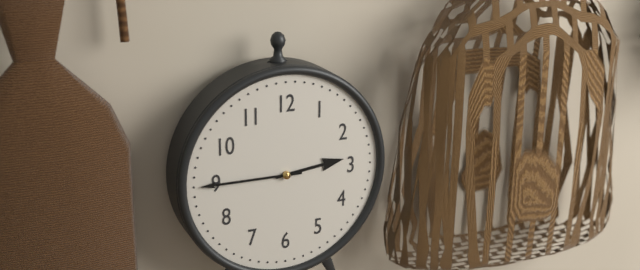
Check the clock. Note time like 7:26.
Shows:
2:45
